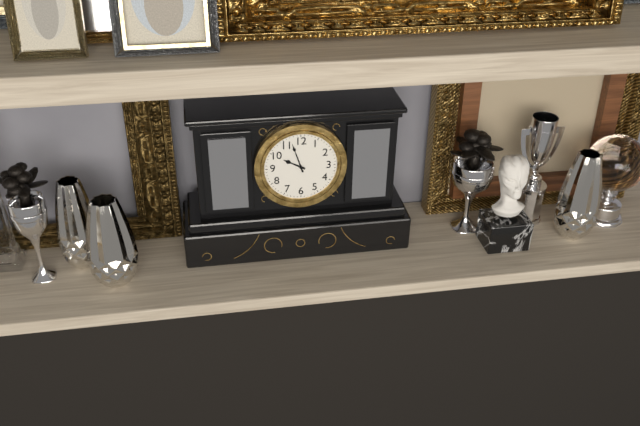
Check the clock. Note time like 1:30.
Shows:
9:57
